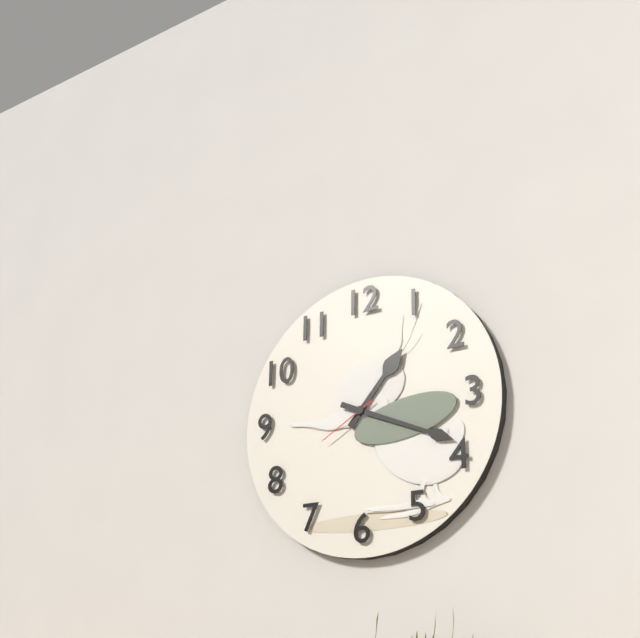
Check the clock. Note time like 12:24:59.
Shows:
1:19:40
